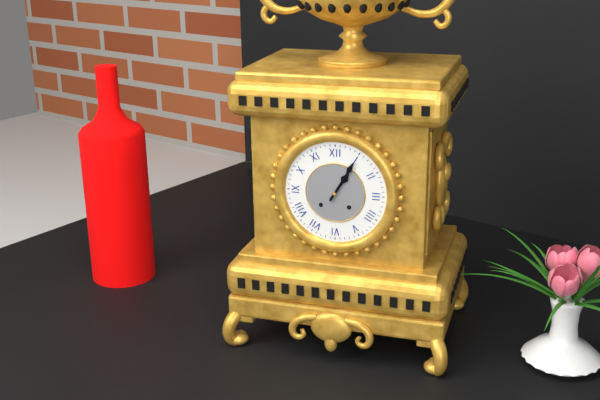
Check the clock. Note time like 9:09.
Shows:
1:05
